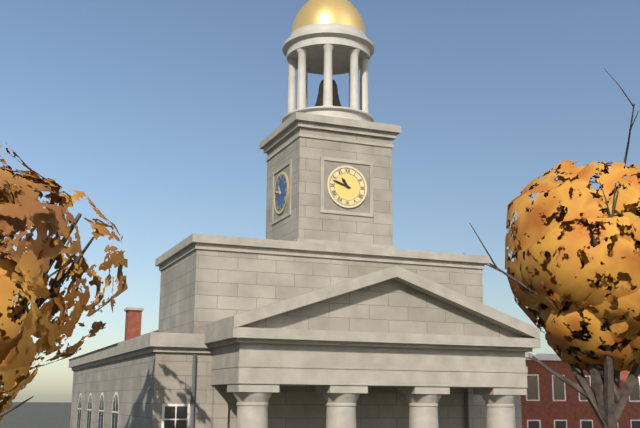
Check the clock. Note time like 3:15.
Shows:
10:48
